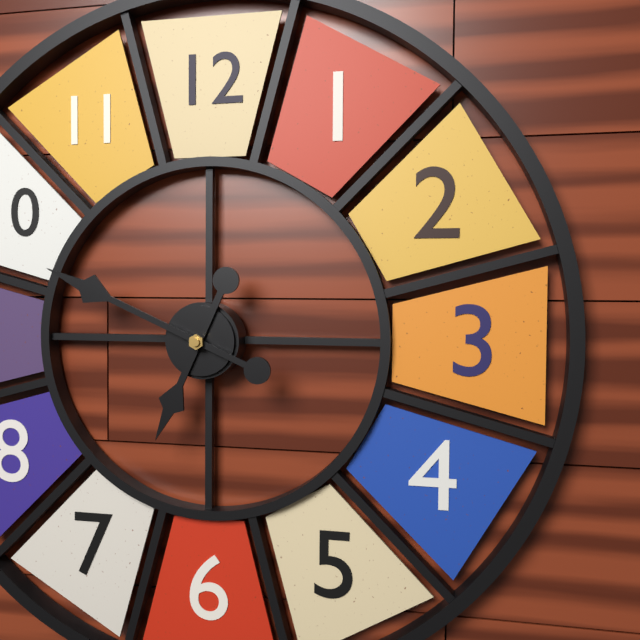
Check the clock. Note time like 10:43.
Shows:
6:49
